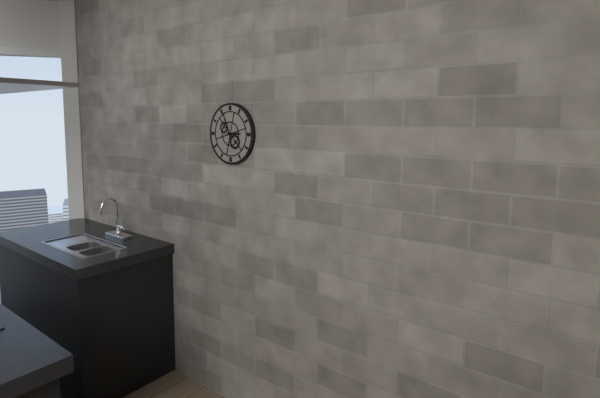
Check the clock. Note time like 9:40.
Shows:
2:56
